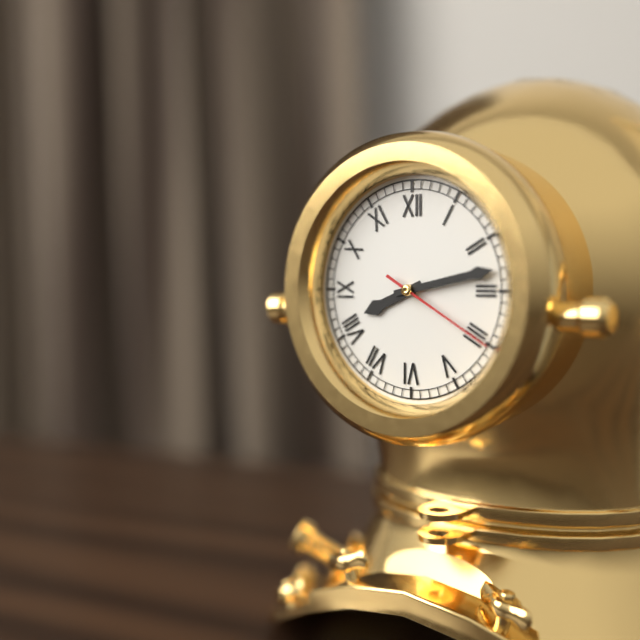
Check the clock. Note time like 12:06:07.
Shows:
8:13:20
